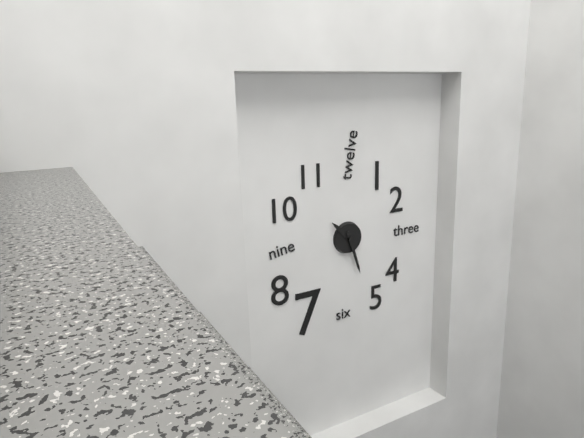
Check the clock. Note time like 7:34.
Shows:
10:27
